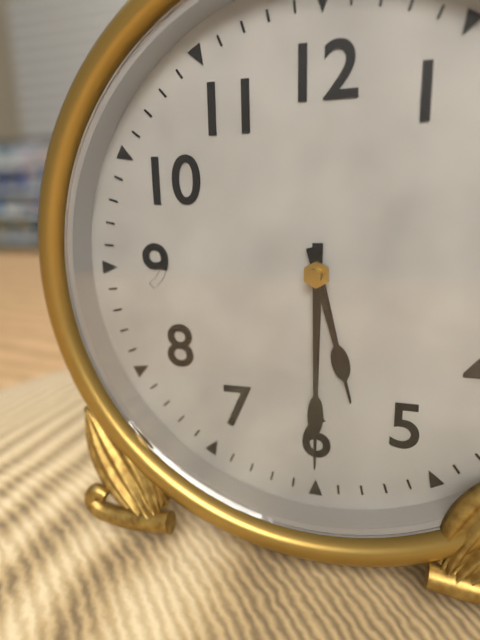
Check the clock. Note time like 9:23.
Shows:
5:30
